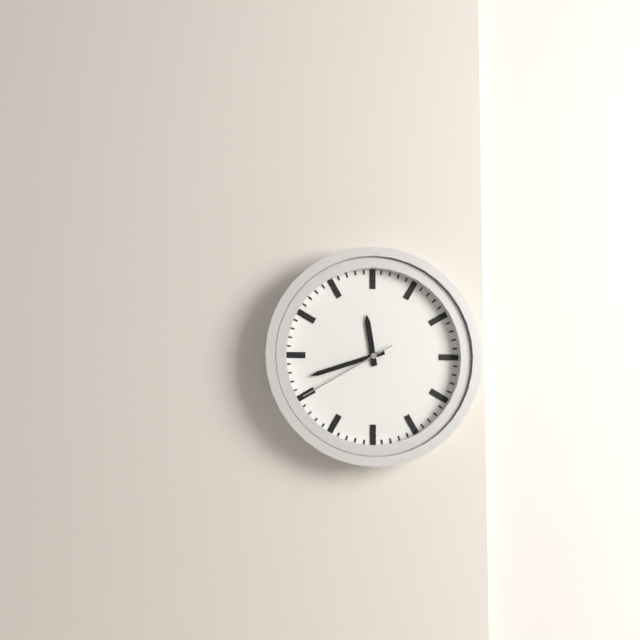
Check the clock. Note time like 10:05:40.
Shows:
11:42:40
